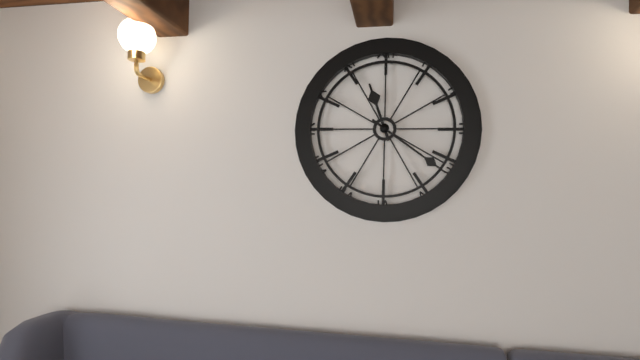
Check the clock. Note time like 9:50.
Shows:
11:21
